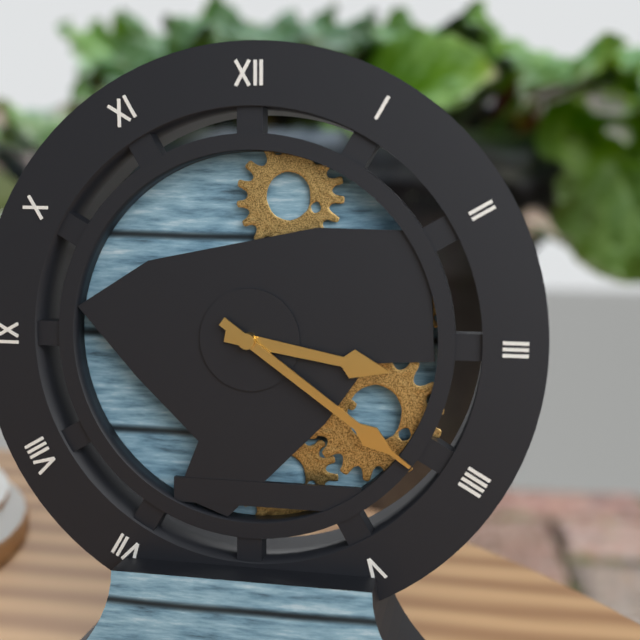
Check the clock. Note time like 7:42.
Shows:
3:21
